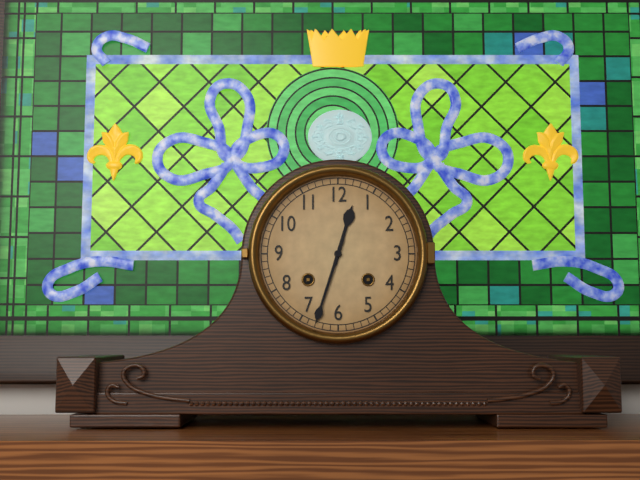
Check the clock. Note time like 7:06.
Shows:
12:33
